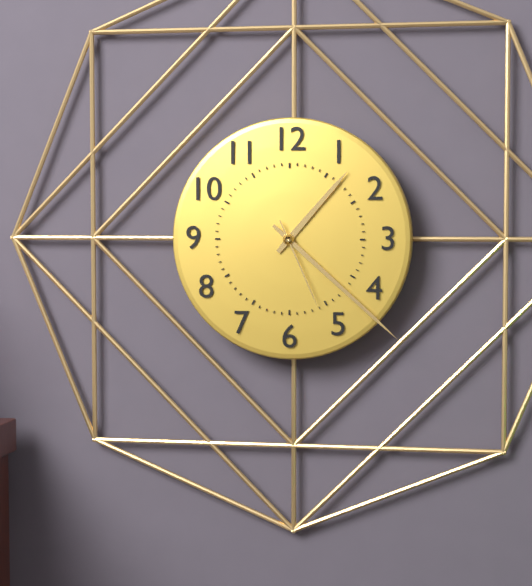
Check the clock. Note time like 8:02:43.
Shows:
1:22:26
